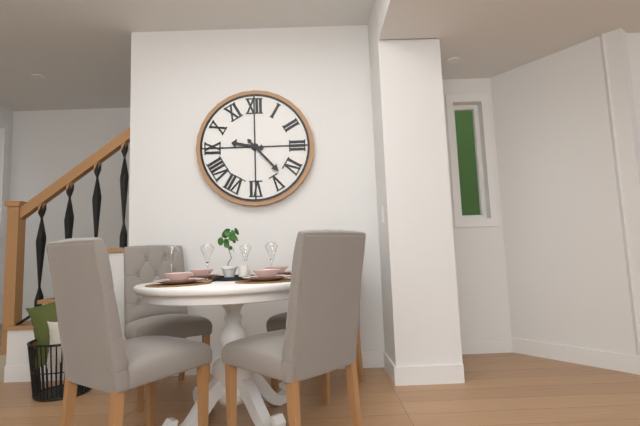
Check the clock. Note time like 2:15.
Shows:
9:23
